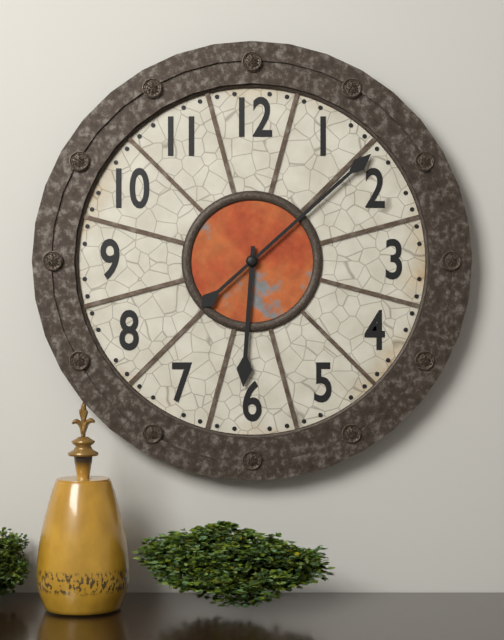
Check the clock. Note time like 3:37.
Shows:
6:08
